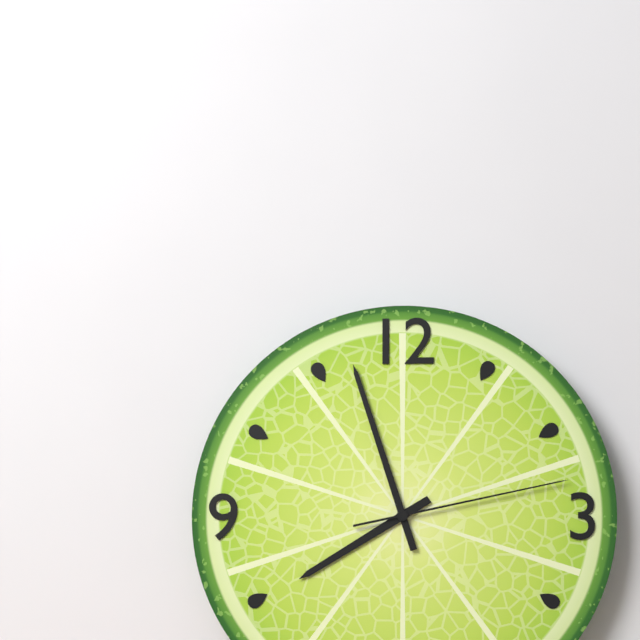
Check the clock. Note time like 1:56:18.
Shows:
7:57:13
